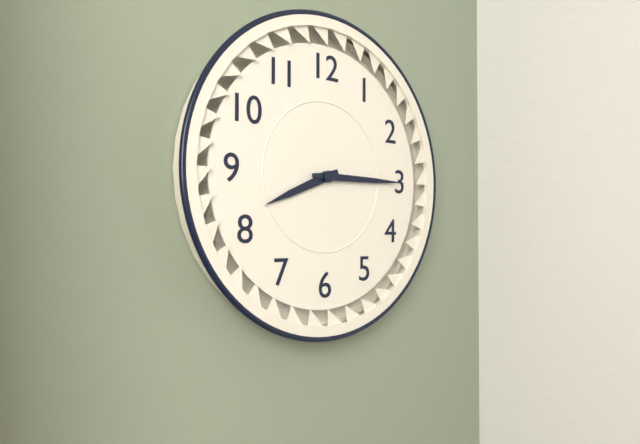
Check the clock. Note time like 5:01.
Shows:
8:15
